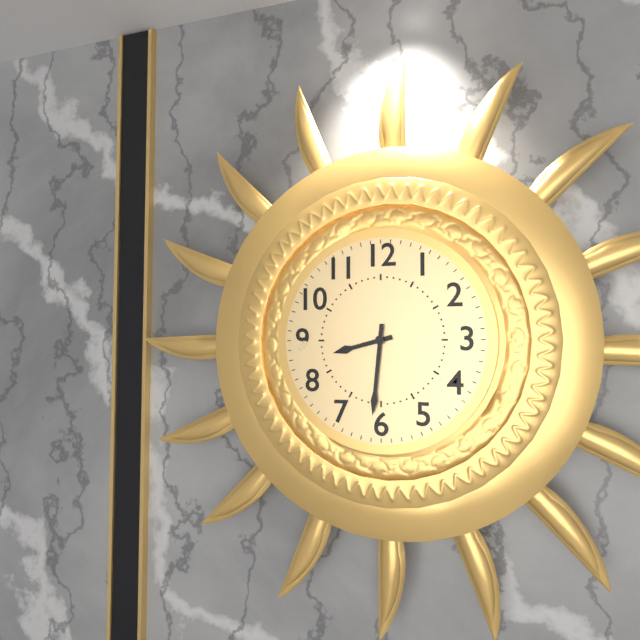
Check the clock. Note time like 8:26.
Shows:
8:31
